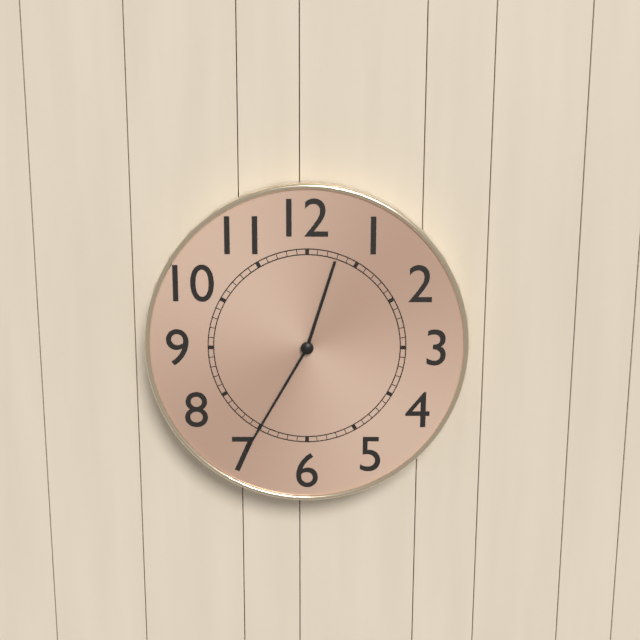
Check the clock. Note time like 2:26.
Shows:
12:35
